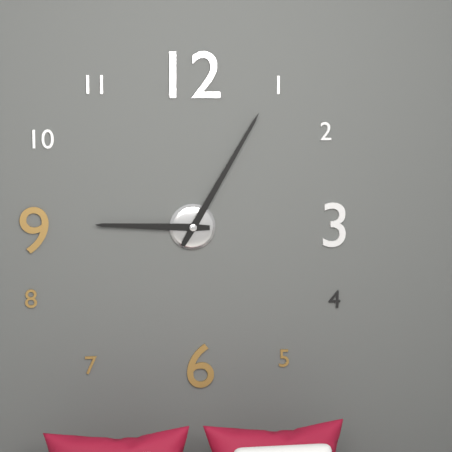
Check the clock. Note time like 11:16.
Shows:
9:05
